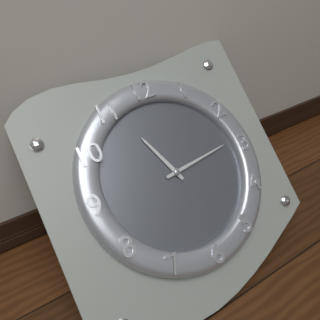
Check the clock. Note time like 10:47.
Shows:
11:14
